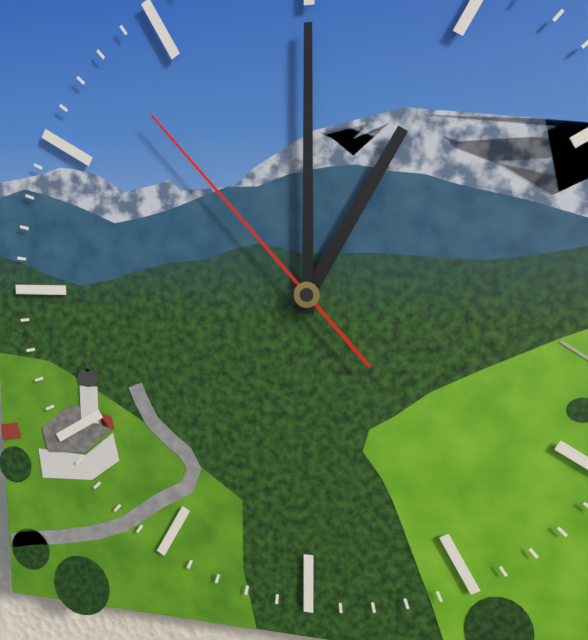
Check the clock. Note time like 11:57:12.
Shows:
1:00:53
